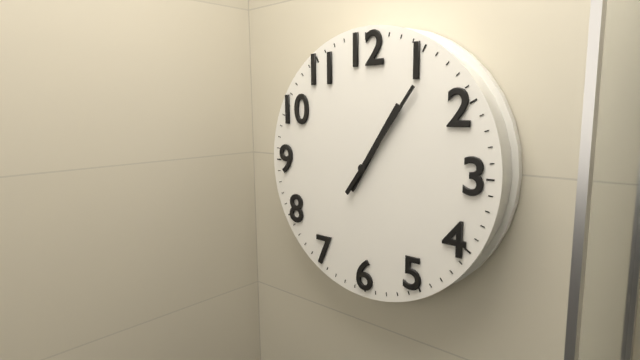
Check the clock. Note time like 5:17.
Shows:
1:06
